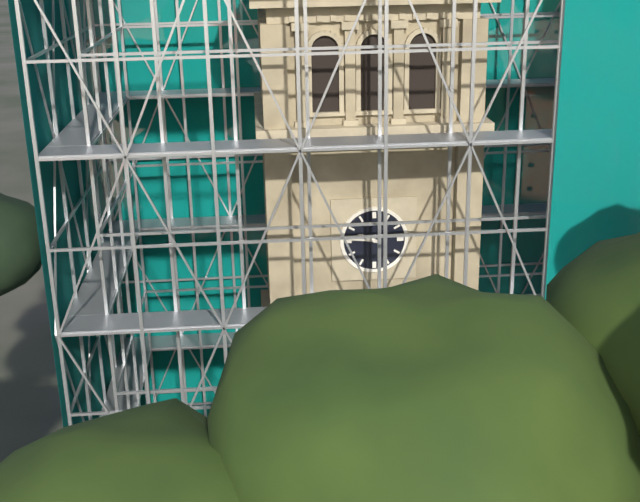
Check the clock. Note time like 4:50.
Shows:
9:46
